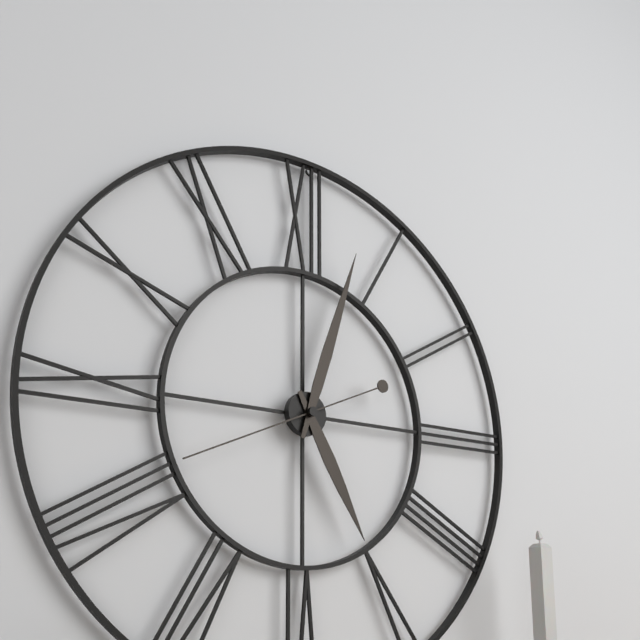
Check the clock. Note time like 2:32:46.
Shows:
5:03:41
